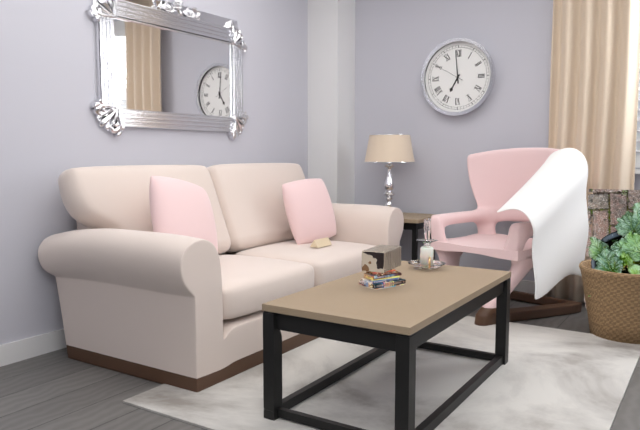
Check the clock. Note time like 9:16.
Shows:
6:59
